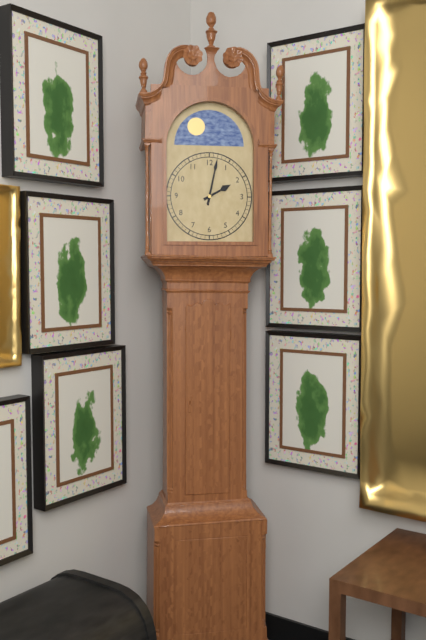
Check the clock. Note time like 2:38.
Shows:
2:02
